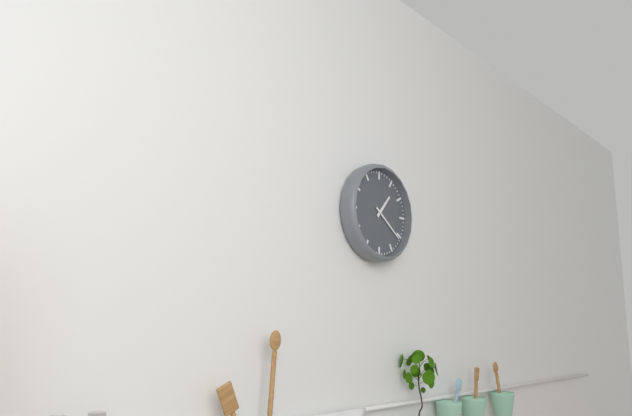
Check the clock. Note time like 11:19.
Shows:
1:21
